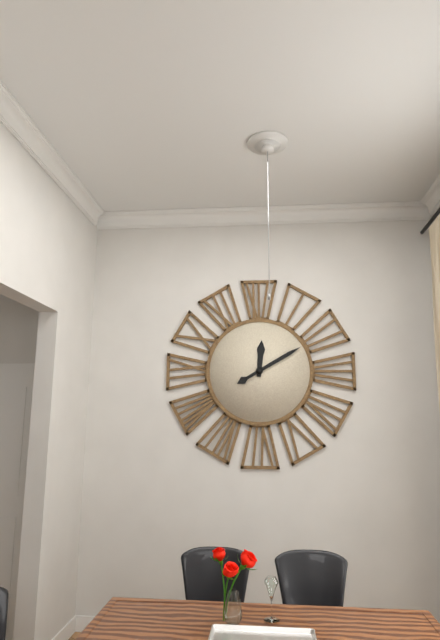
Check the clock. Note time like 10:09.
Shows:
12:10
